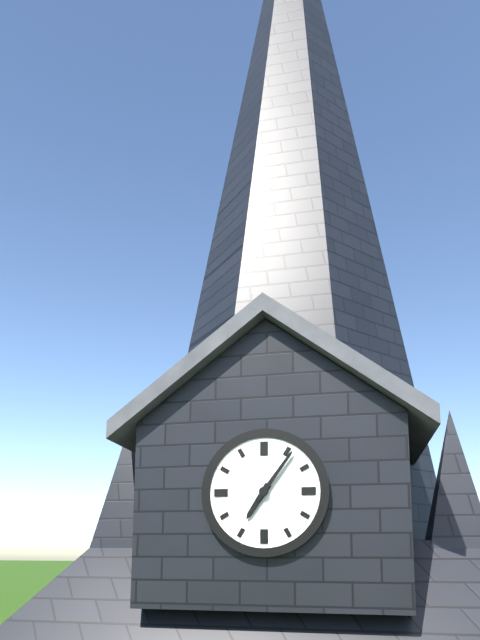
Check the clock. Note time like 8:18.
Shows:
7:06
